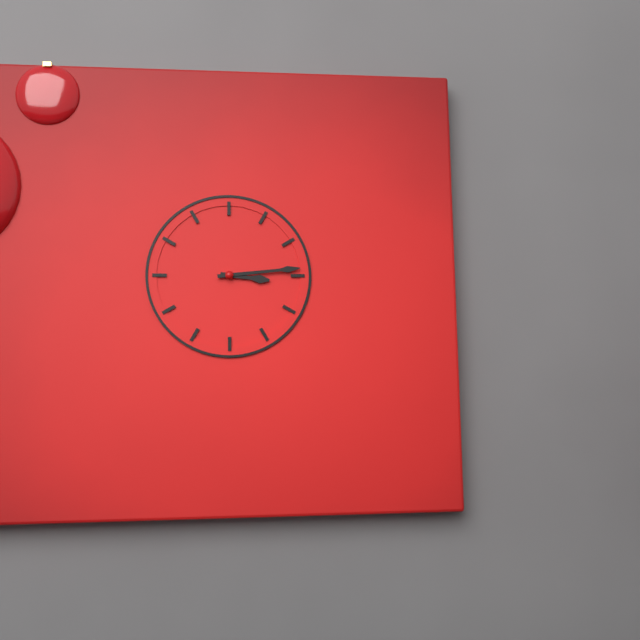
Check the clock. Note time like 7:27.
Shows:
3:14
